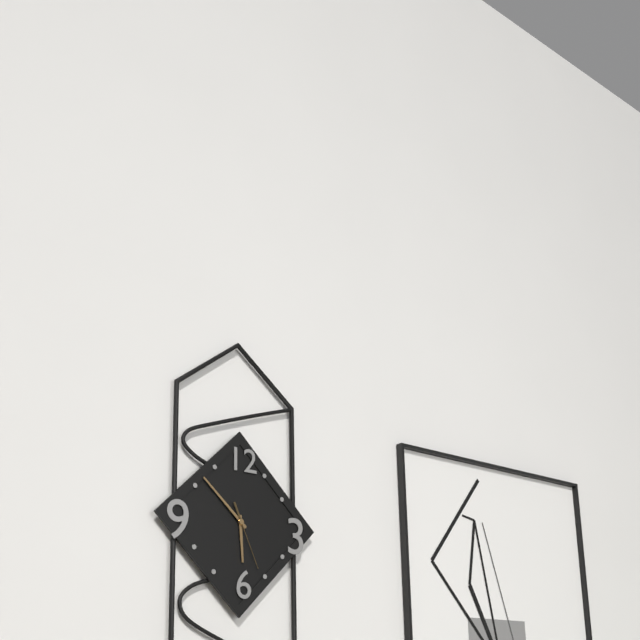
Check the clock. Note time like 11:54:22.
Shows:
5:52:26
